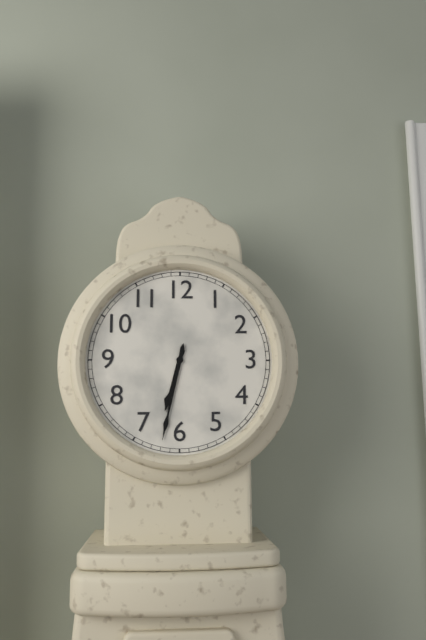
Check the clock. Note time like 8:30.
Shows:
6:32
